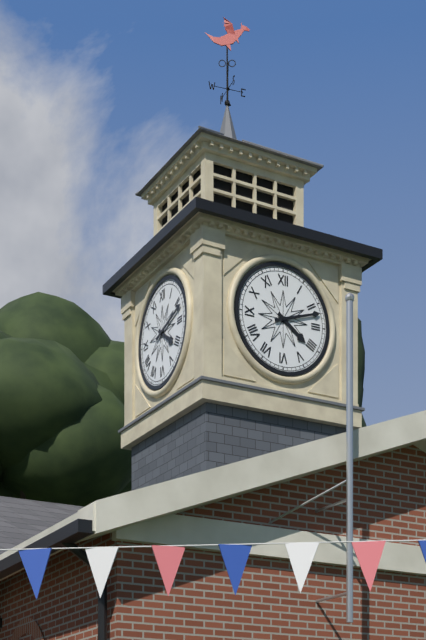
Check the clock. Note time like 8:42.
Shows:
4:12
